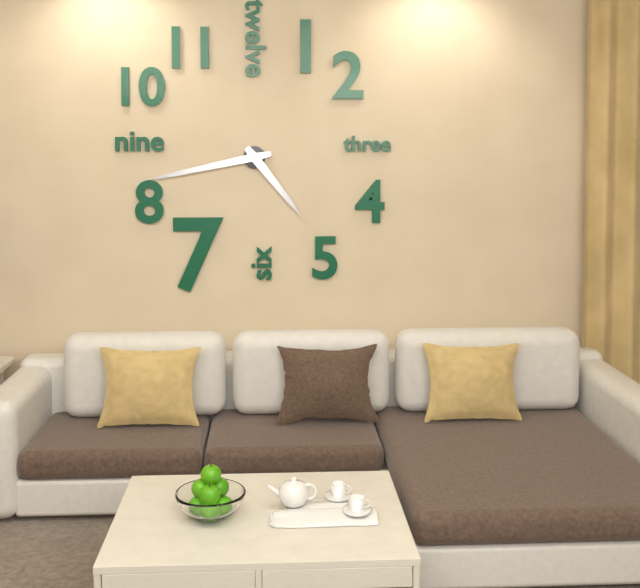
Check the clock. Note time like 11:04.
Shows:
4:43
